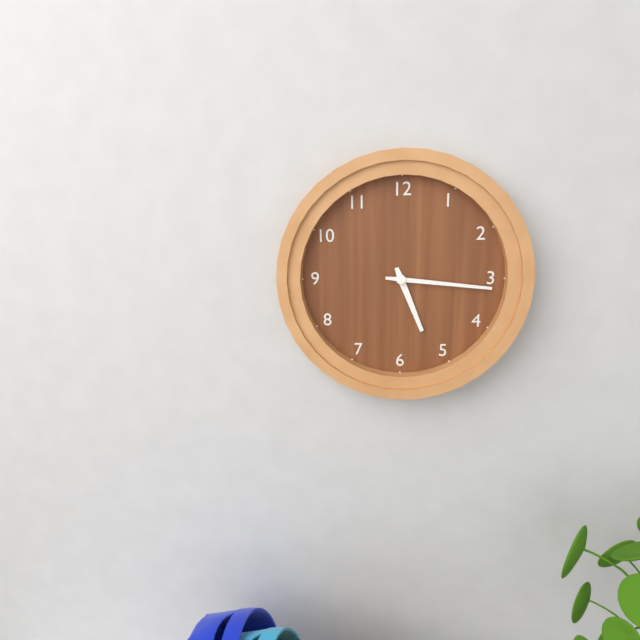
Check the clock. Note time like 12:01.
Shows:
5:16
